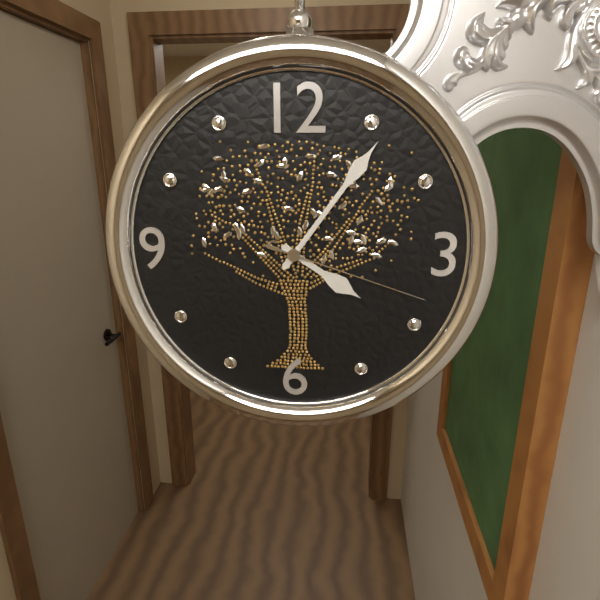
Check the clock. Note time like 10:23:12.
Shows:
4:06:18
